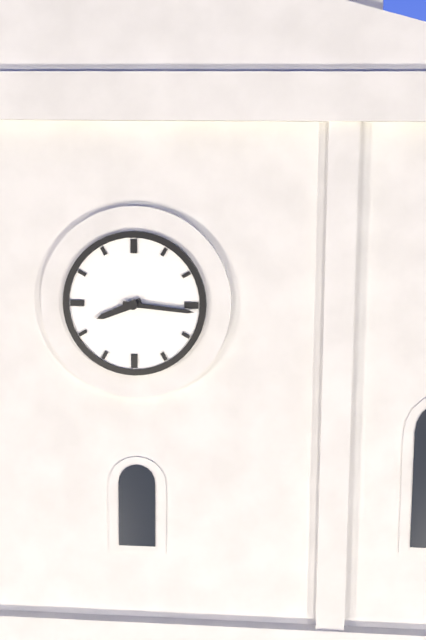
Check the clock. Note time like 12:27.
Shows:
8:16
